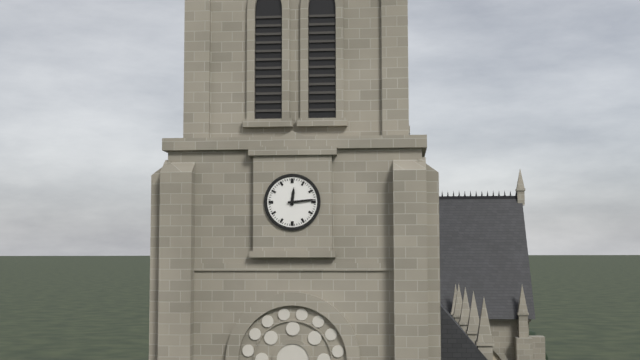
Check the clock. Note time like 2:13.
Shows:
12:14
